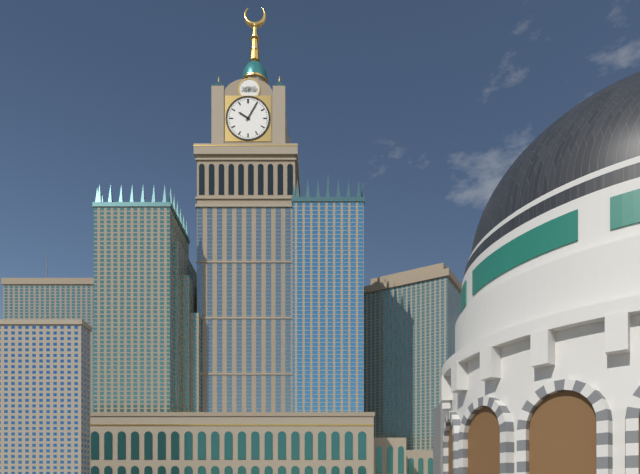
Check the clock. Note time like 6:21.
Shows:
10:05
